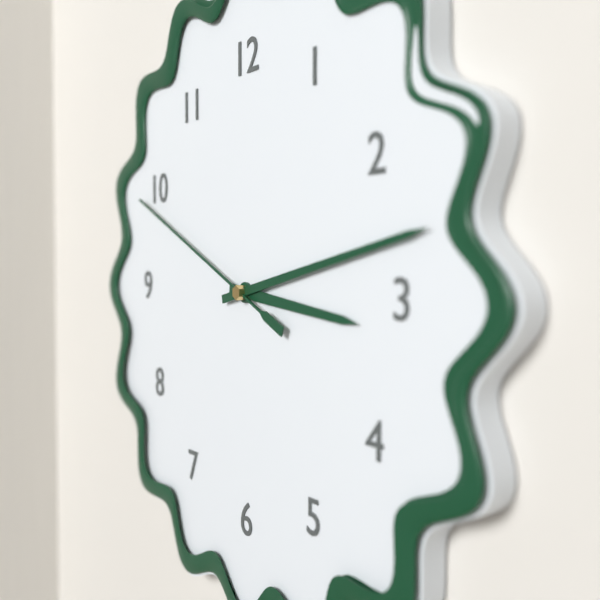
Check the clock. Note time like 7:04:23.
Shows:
3:13:49
